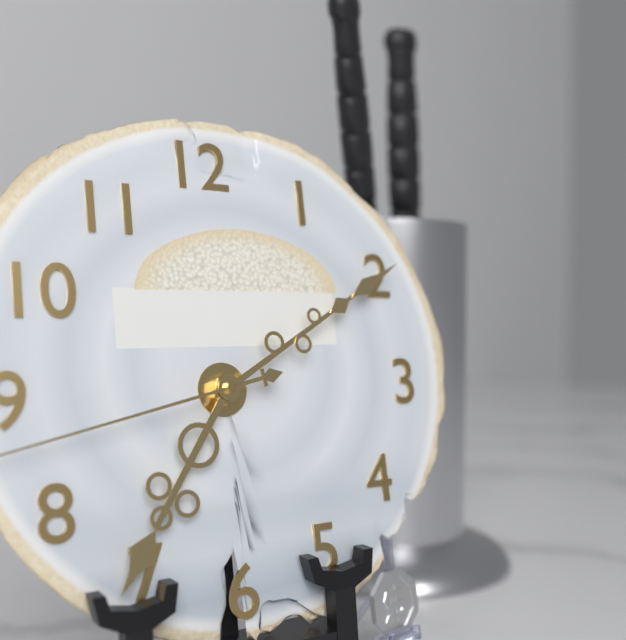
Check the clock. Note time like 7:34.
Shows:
7:10
